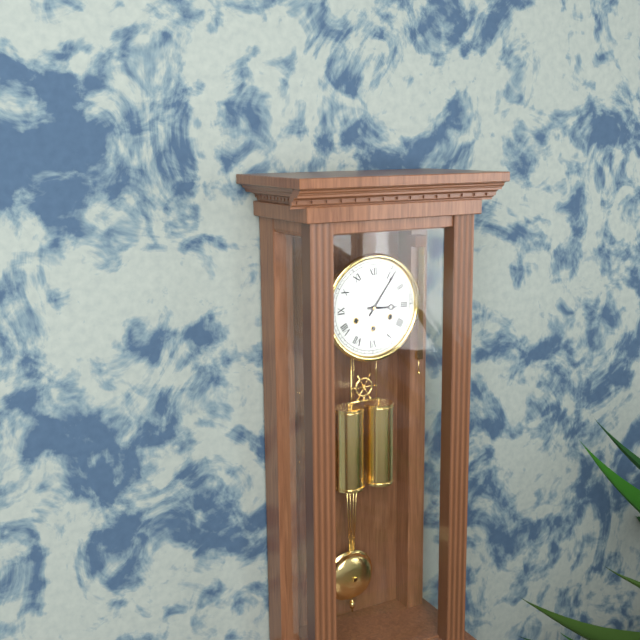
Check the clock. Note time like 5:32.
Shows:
3:06
